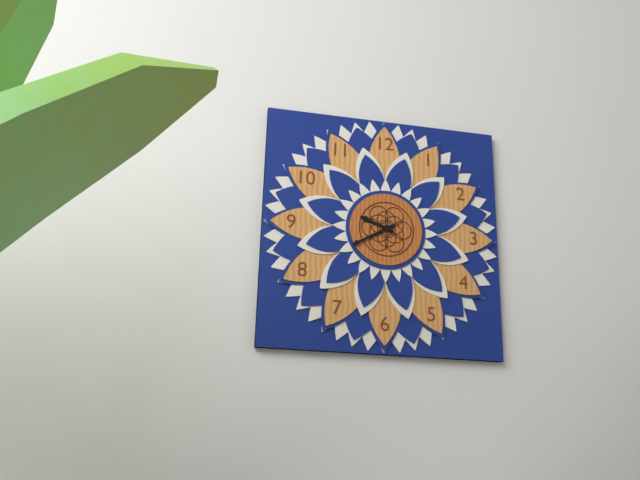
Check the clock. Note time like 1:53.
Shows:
9:40
